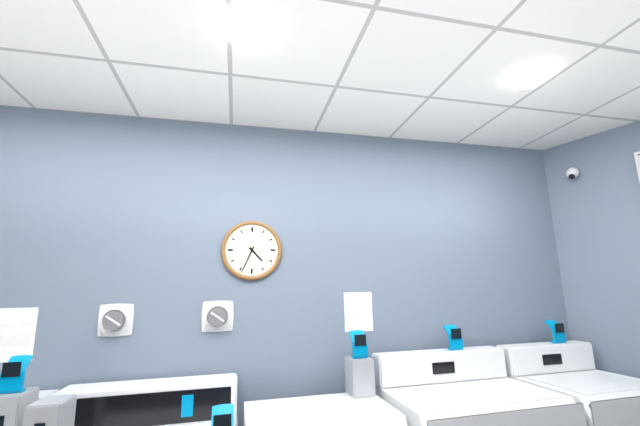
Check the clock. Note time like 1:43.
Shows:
4:34
